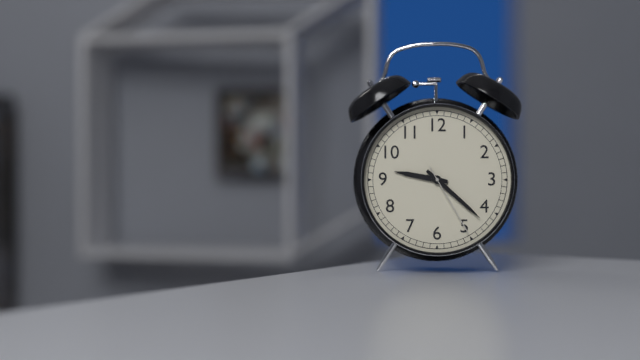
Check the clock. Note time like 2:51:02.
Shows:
9:22:25
